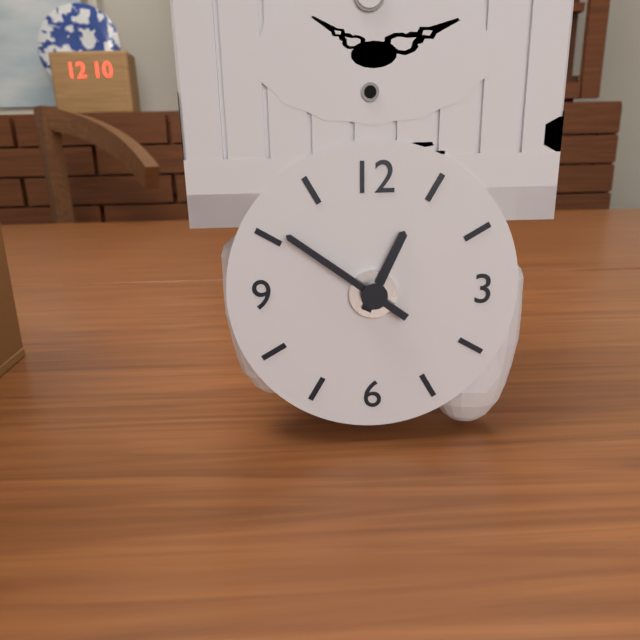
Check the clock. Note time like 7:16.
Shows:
12:51
